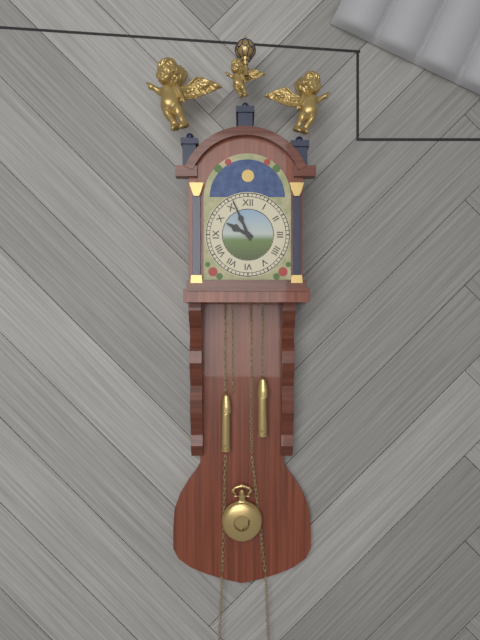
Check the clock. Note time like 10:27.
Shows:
9:56
